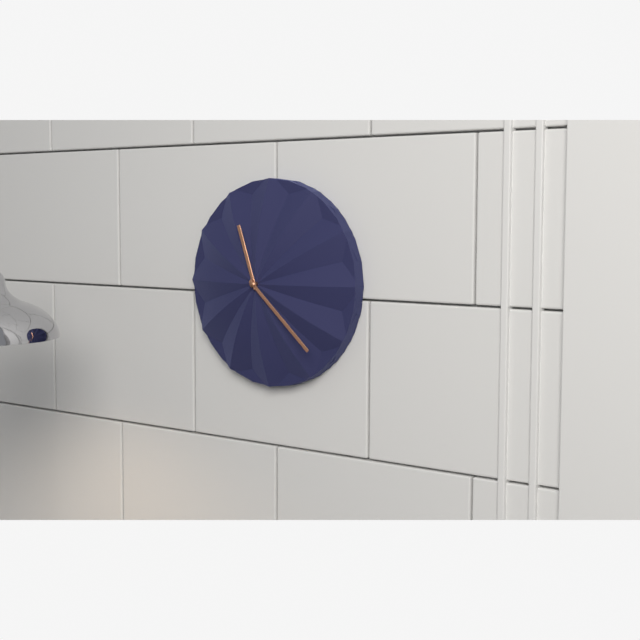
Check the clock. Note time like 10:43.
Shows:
11:22
